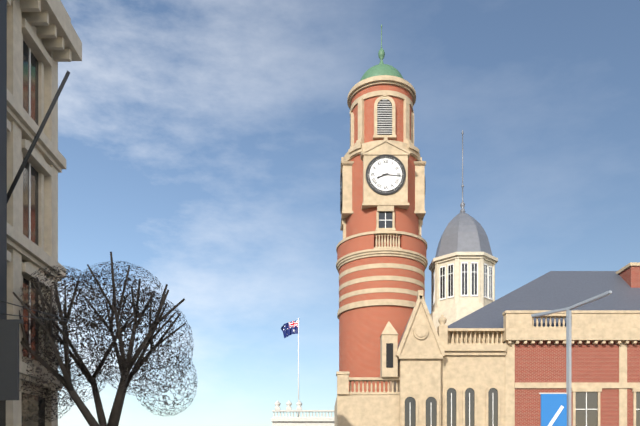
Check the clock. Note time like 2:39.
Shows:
8:16
